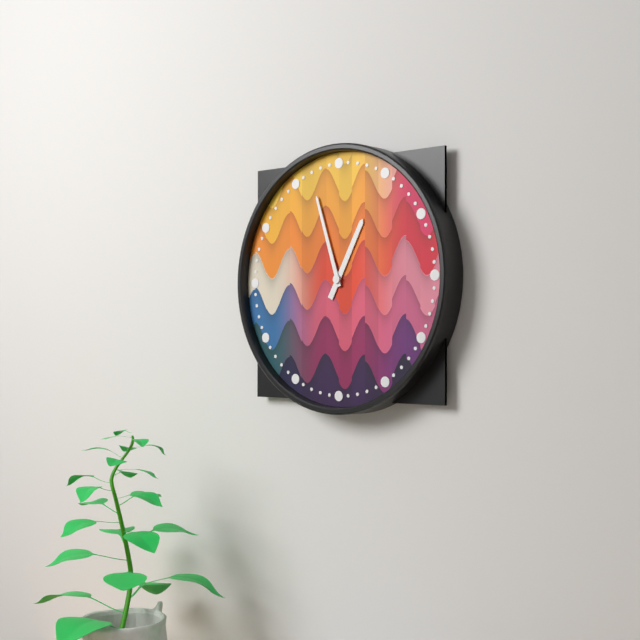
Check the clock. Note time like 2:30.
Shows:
12:57
